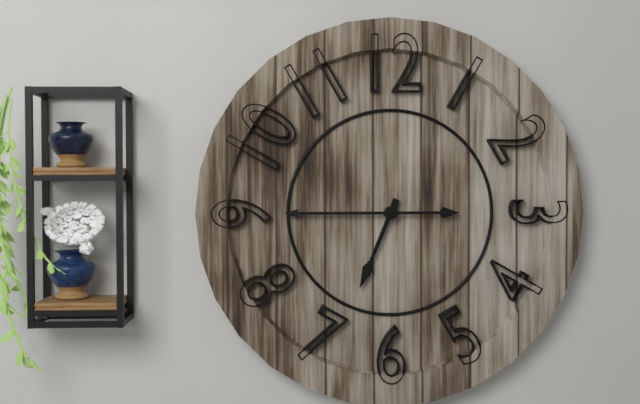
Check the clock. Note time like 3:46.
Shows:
6:45
